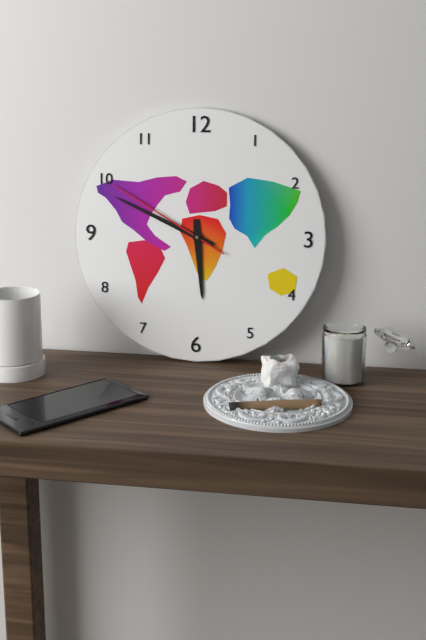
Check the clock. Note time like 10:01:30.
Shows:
5:49:50
